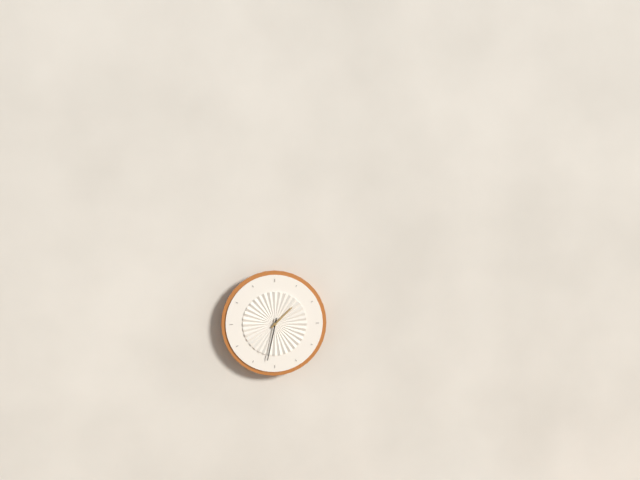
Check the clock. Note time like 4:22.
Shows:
1:32
